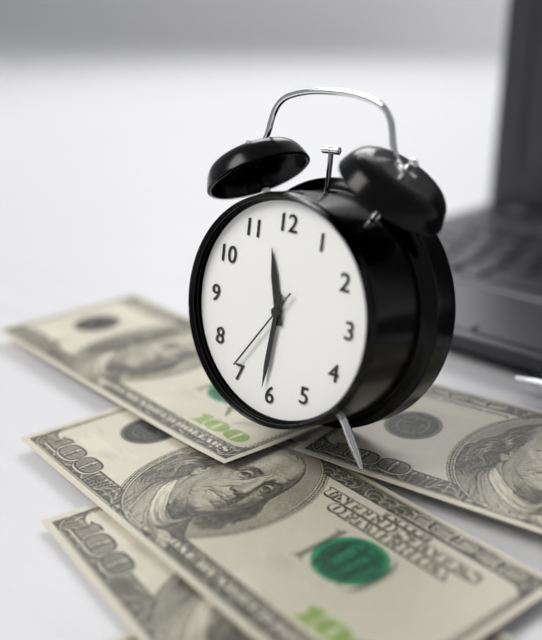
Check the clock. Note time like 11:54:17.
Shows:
11:31:36
